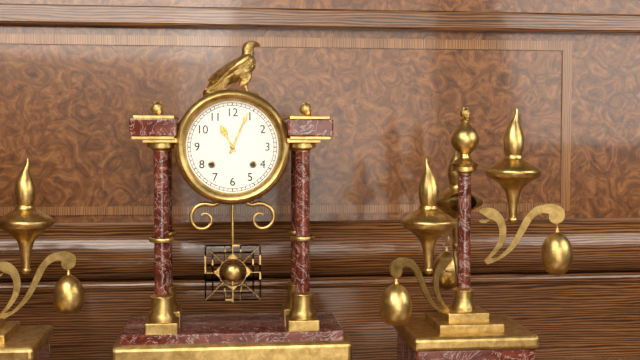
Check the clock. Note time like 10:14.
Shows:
11:04
